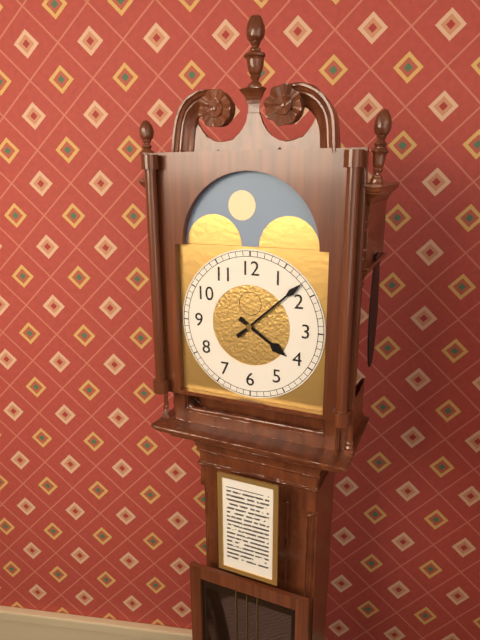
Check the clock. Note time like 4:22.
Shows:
4:08
